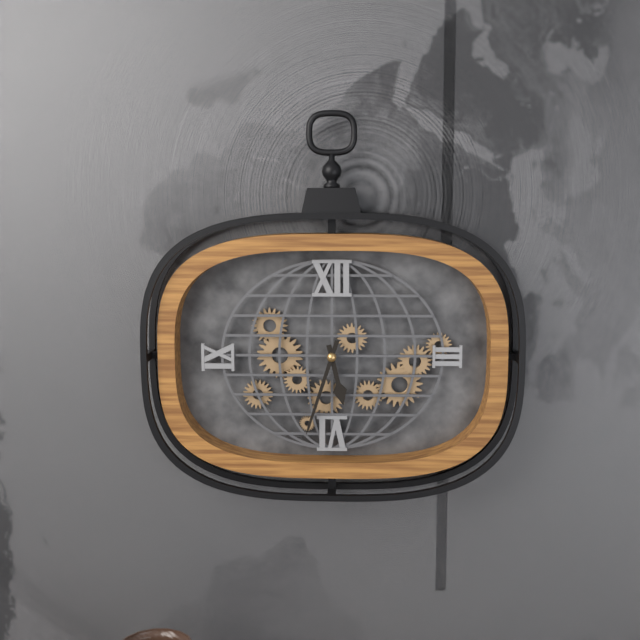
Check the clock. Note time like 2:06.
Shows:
5:33
